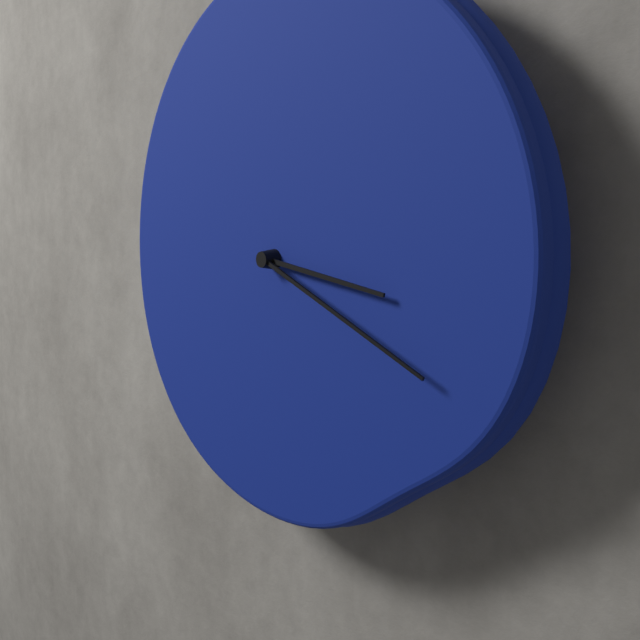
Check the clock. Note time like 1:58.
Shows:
3:19
